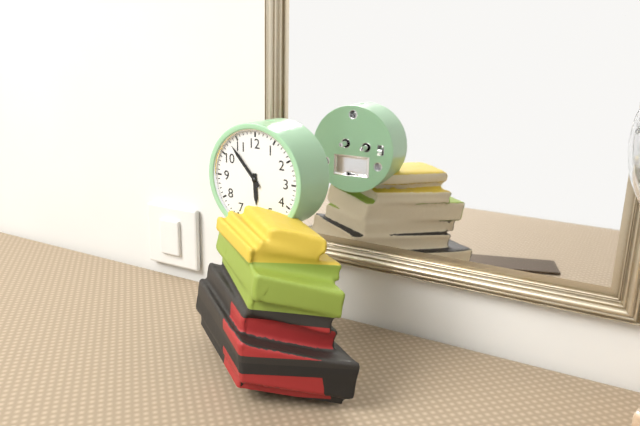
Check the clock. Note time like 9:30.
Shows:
5:53
